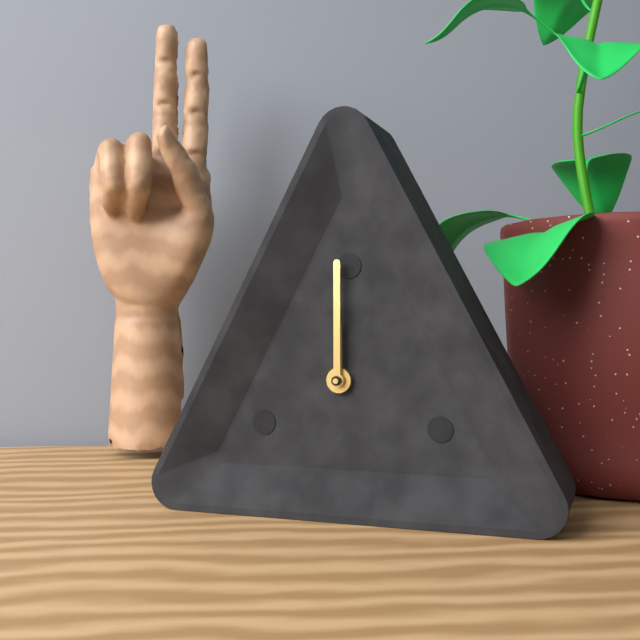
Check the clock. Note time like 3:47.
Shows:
12:00
